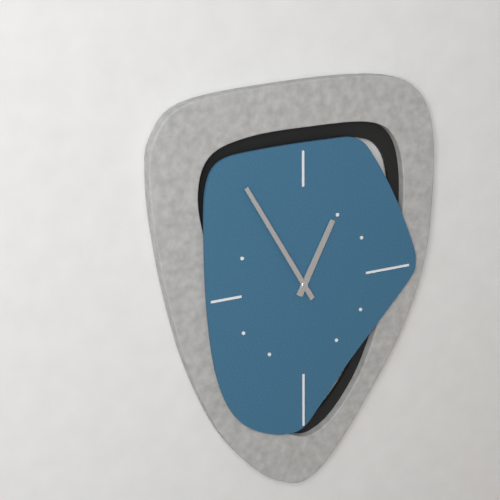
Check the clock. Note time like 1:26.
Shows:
12:55
